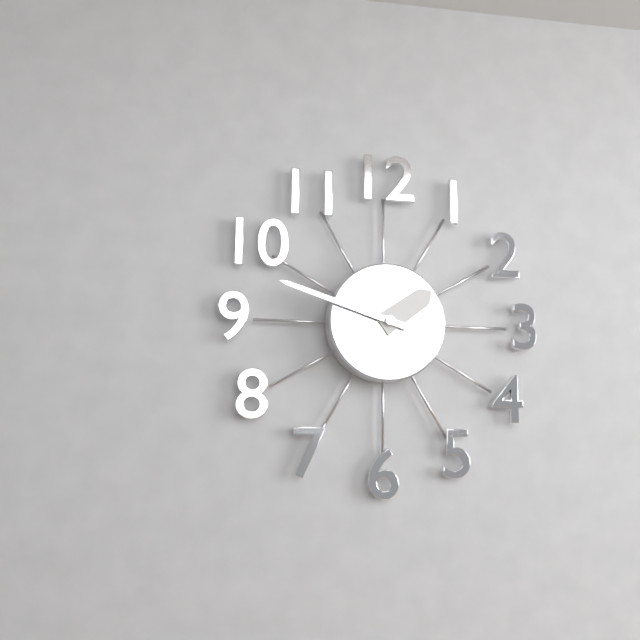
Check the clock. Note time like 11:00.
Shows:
1:48
